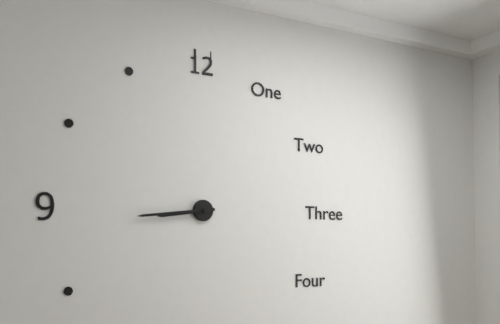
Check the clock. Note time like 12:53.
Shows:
8:44
